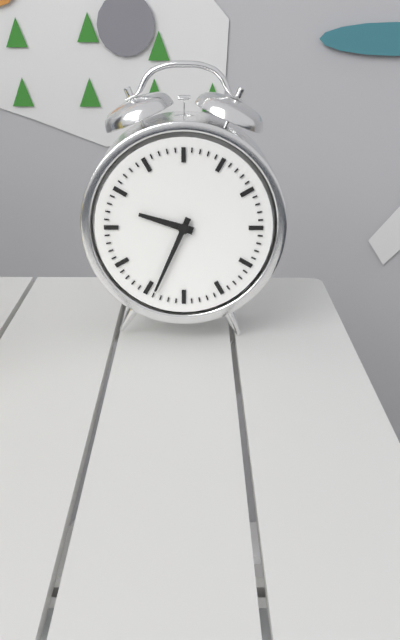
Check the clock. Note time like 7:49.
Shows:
9:34
